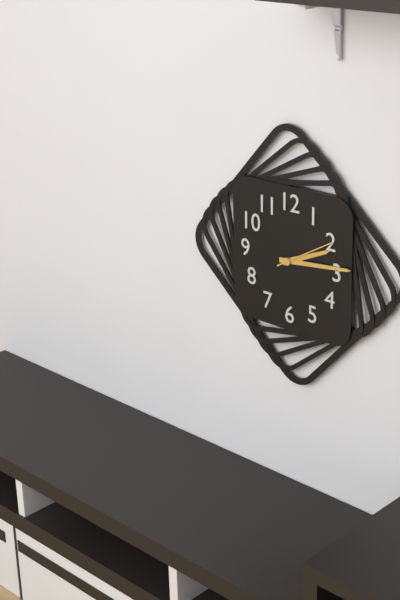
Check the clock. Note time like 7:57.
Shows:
2:14
